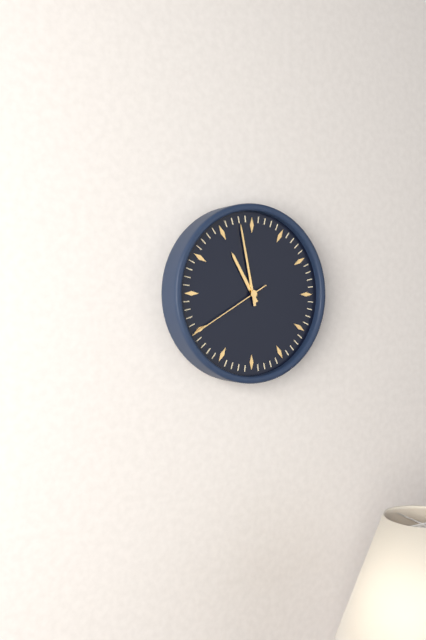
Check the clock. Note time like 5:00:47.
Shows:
10:58:40
